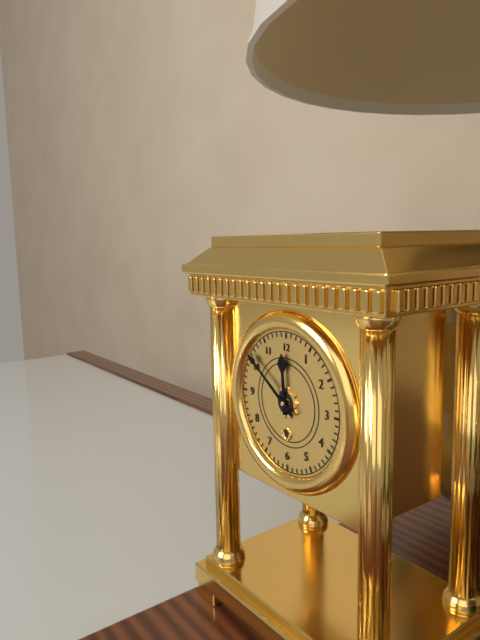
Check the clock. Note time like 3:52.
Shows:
11:51
